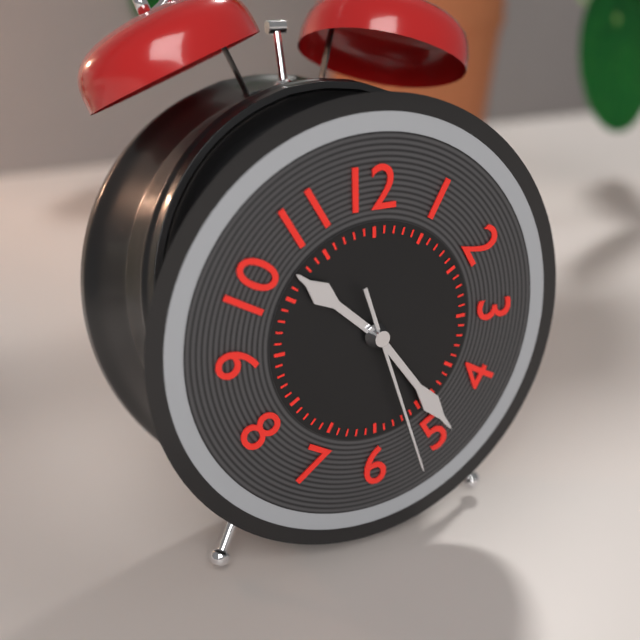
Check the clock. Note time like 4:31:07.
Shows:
10:24:27
